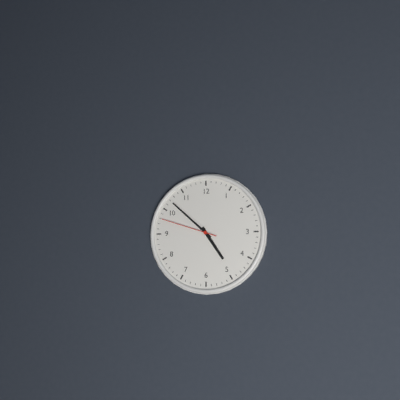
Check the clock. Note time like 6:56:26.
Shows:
4:52:48
